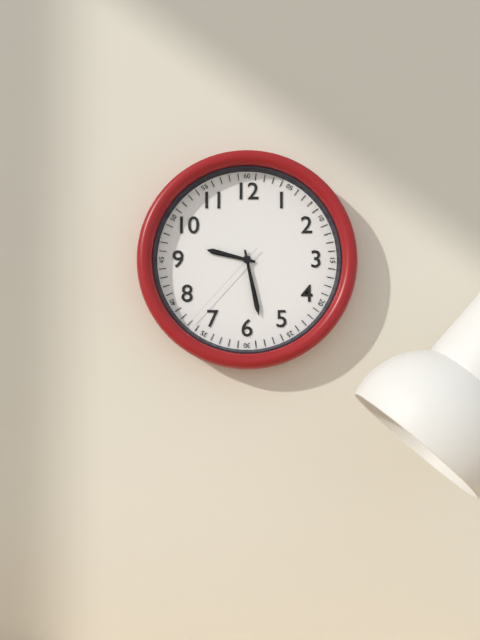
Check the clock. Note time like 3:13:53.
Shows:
9:28:37
